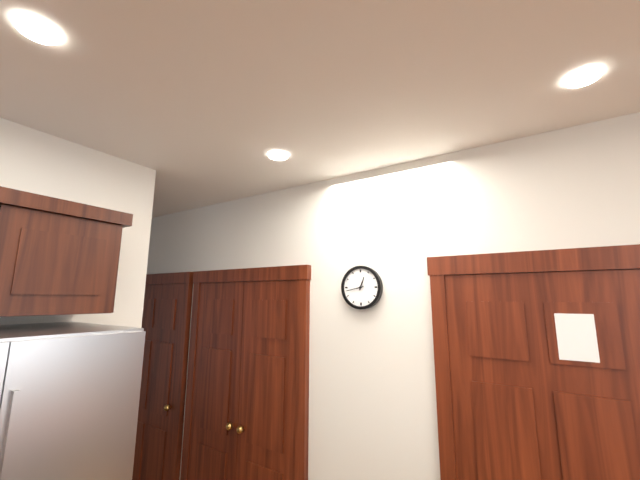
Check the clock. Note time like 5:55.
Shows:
12:43
